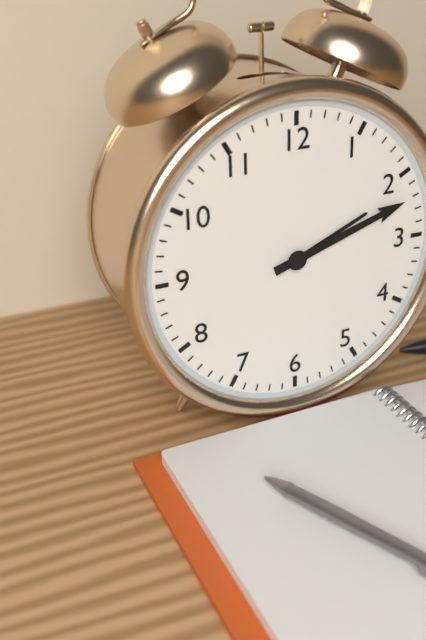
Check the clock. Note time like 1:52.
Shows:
2:12
